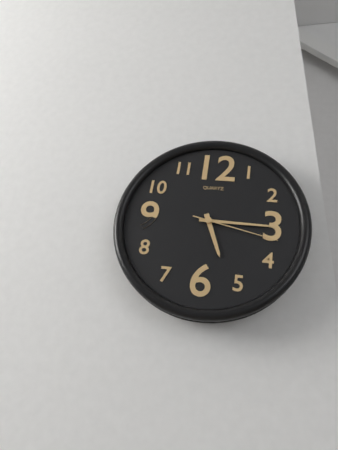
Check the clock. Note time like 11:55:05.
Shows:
5:15:17
